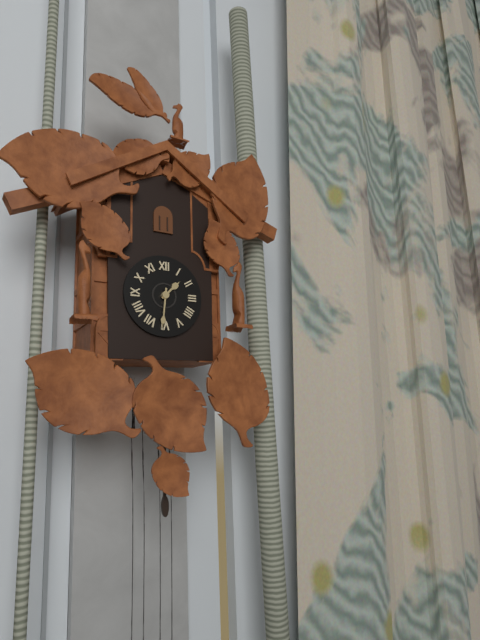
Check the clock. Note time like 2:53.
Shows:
1:31
